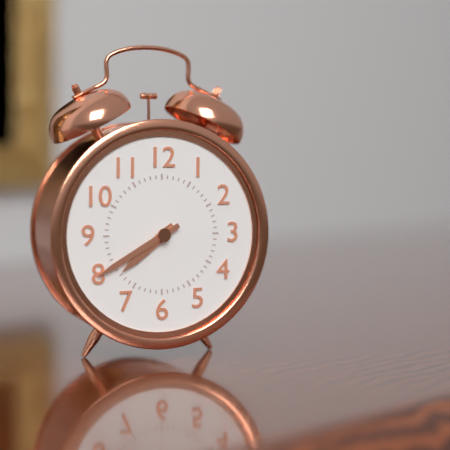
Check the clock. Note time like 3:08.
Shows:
7:40
